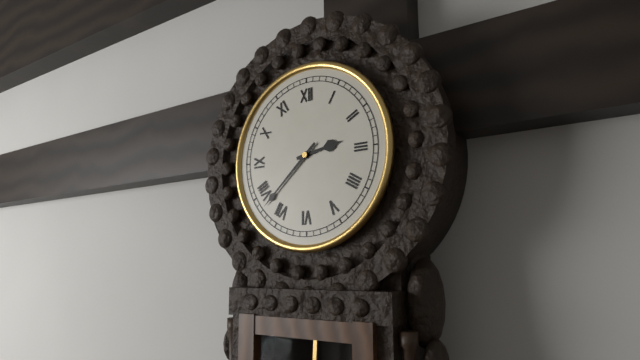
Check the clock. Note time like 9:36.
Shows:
2:38
